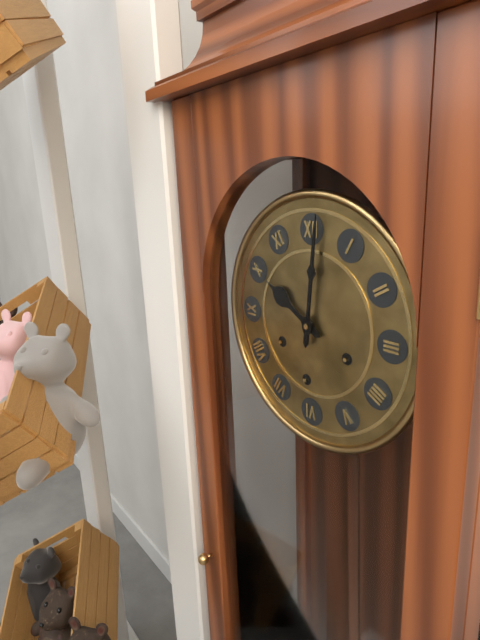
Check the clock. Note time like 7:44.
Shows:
10:01
